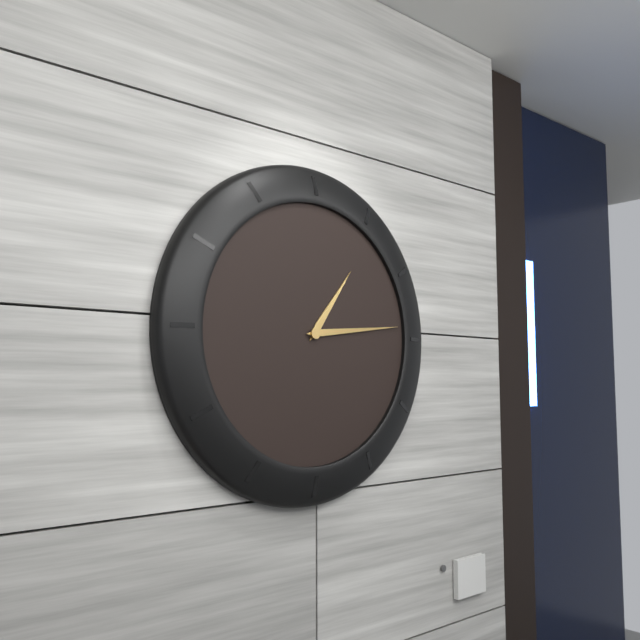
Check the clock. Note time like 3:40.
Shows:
1:14
